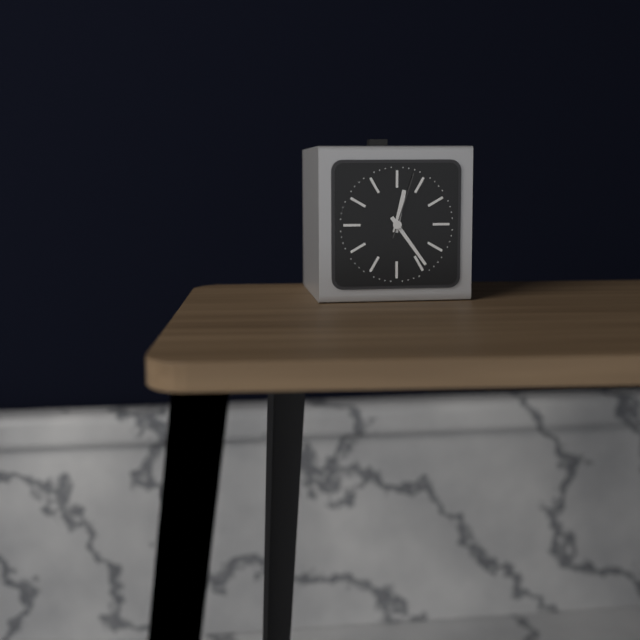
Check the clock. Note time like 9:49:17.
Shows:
12:24:03
